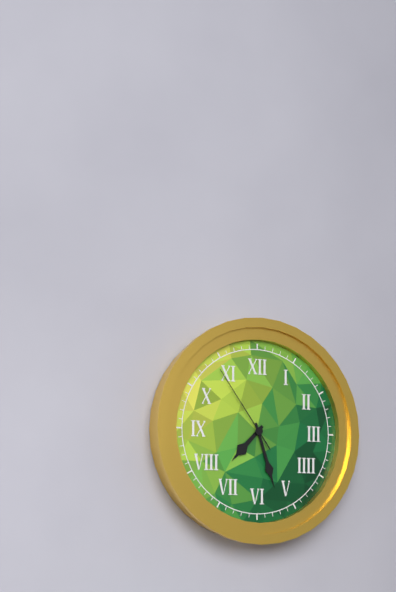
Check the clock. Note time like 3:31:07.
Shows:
7:27:54
